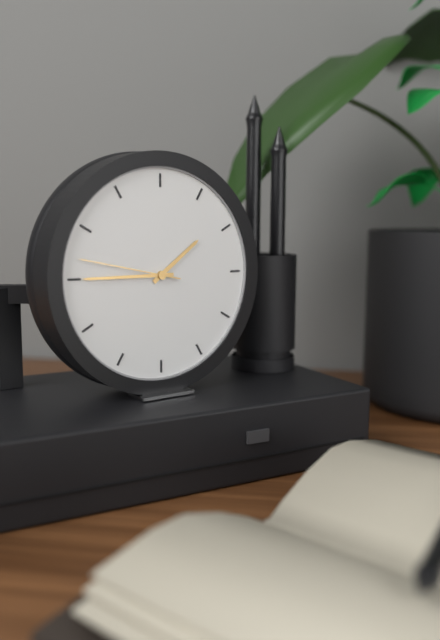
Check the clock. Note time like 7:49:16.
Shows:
1:45:47
